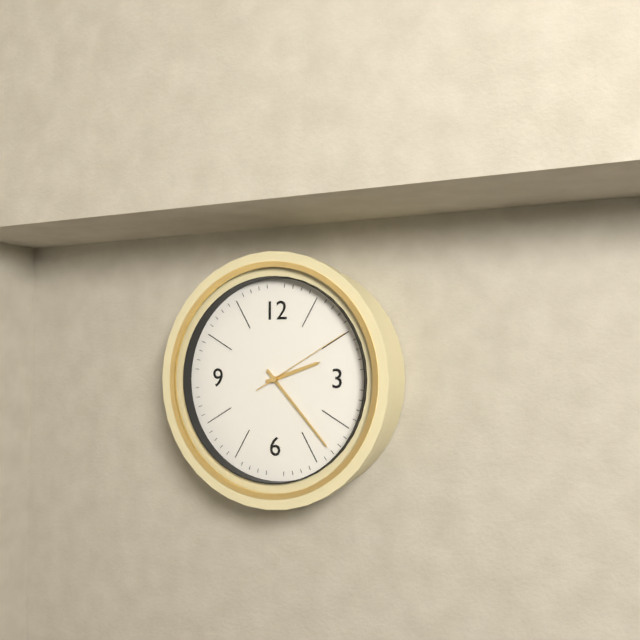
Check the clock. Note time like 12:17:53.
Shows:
2:23:10
